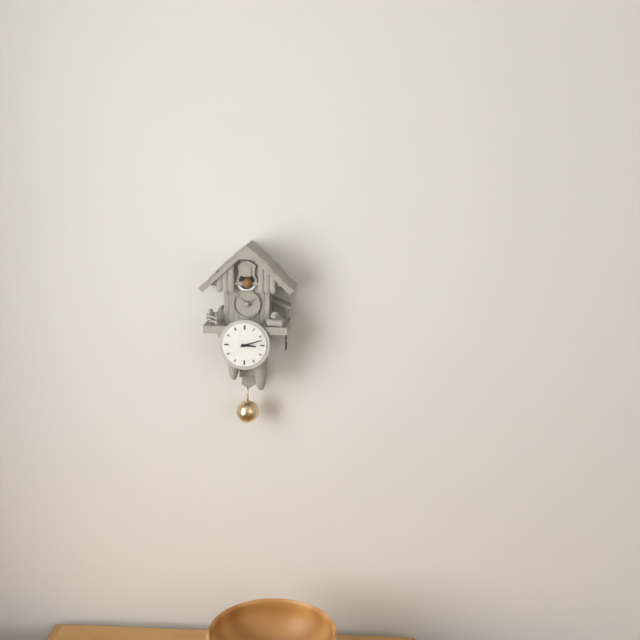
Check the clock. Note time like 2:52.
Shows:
3:12
